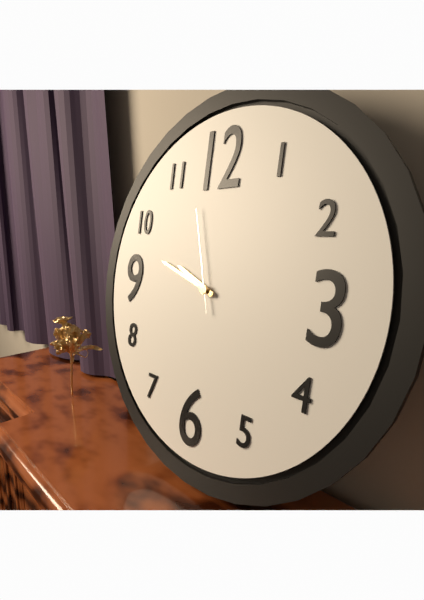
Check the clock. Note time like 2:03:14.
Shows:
9:48:57
